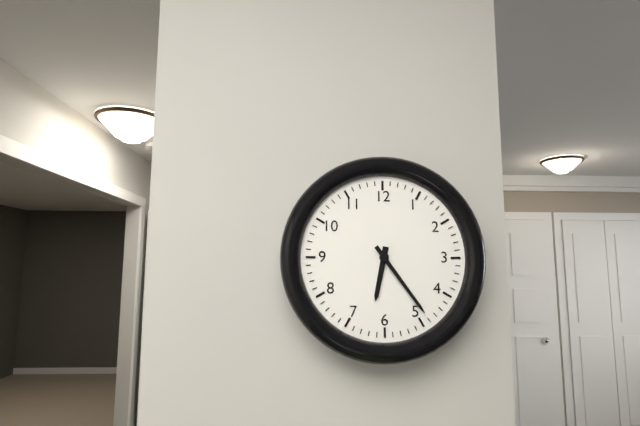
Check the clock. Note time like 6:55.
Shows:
6:24
